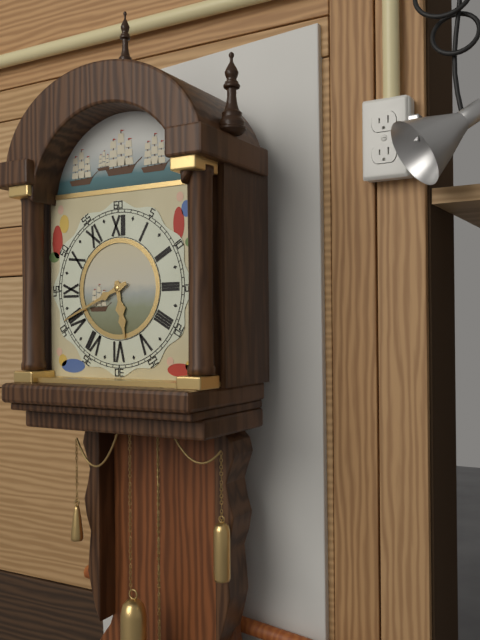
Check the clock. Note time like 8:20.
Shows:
5:41
